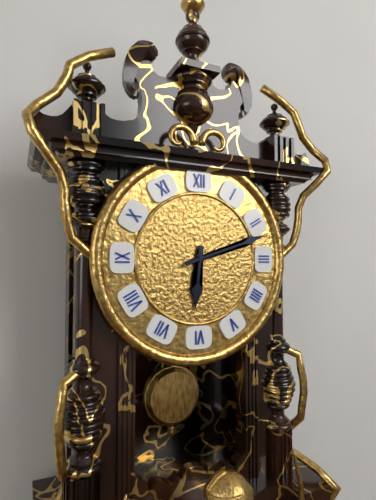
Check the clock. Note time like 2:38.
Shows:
6:12
